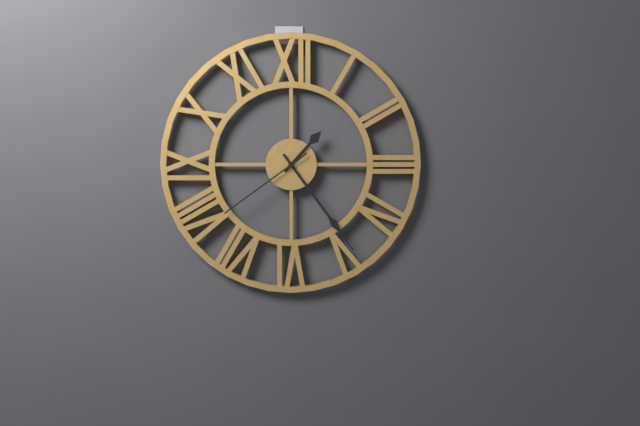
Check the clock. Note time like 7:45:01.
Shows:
1:24:39
